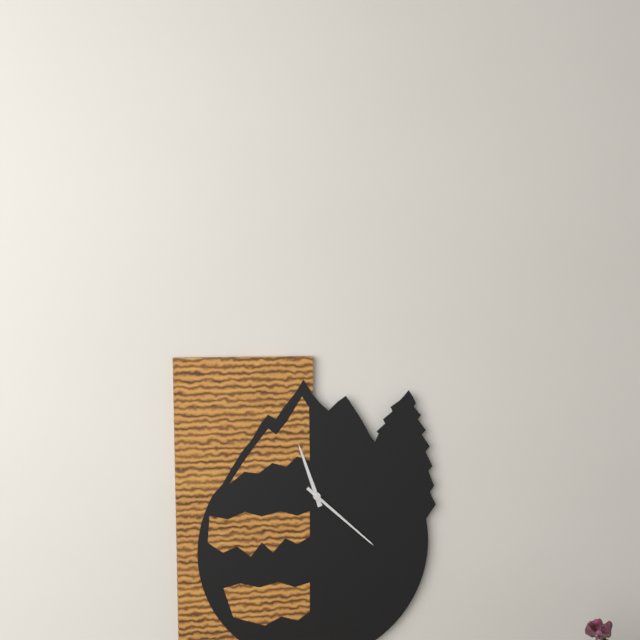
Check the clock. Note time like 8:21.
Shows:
11:22
